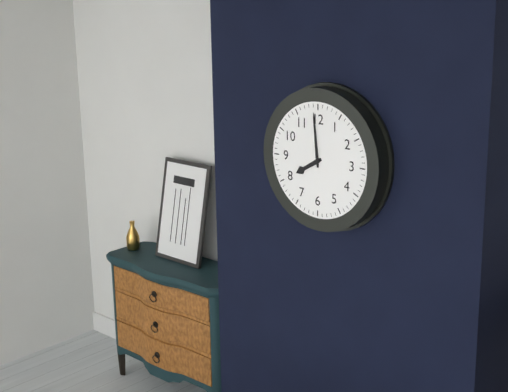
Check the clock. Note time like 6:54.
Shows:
7:59
